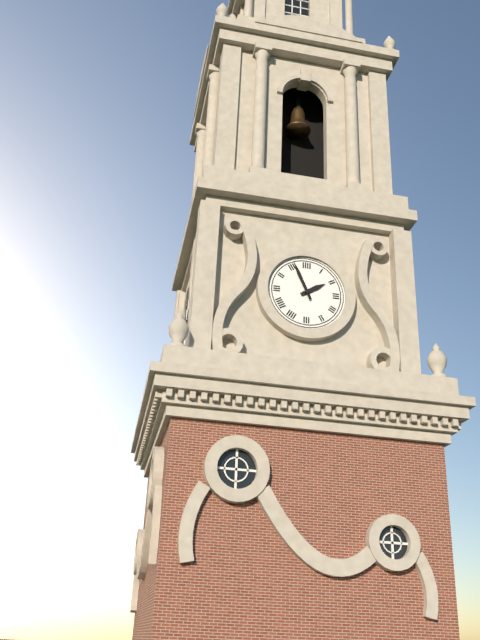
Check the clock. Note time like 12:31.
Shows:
1:56
